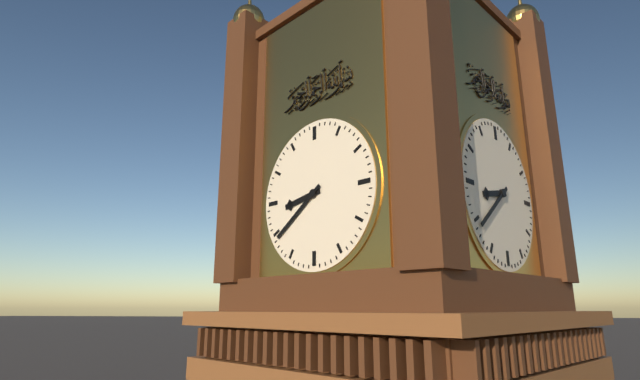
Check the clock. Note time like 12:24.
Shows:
8:39
